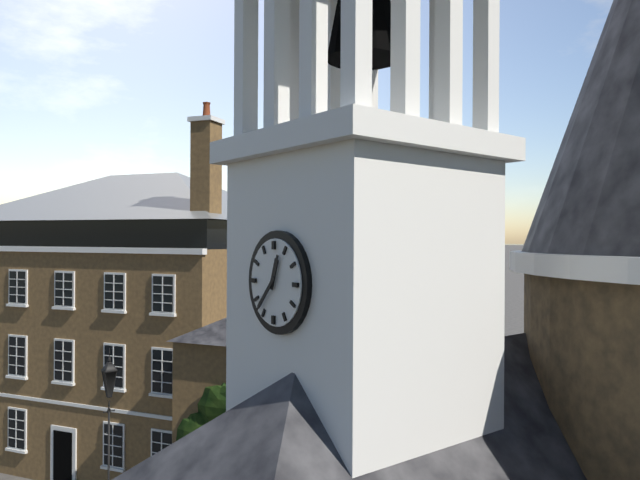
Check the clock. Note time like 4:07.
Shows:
12:37
